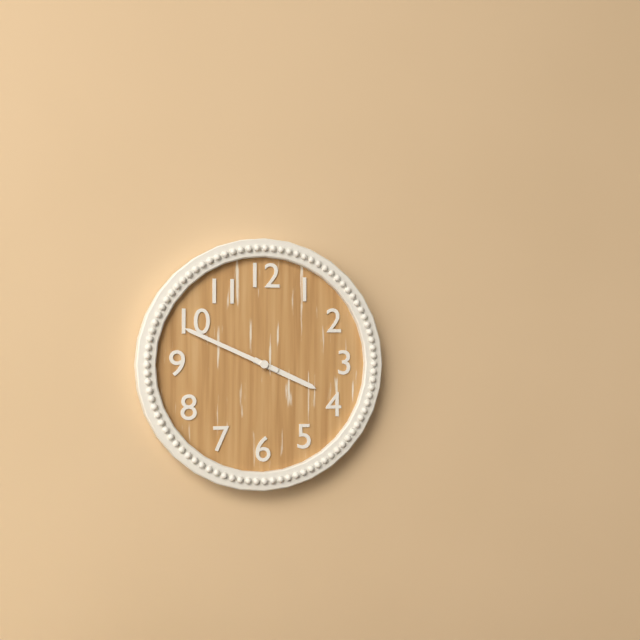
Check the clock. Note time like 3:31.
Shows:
3:49
